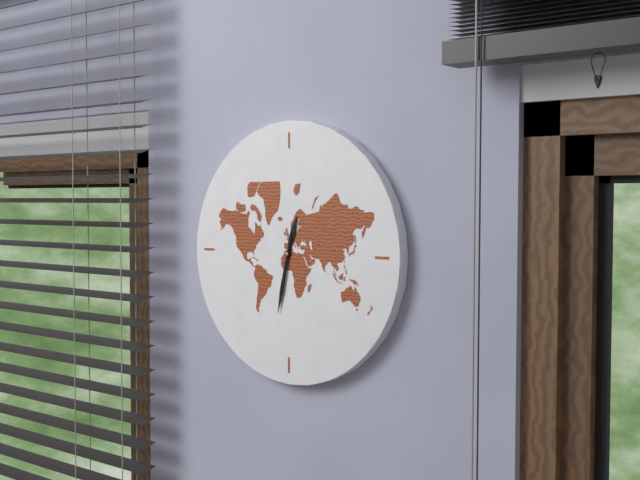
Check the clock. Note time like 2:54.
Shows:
12:32
